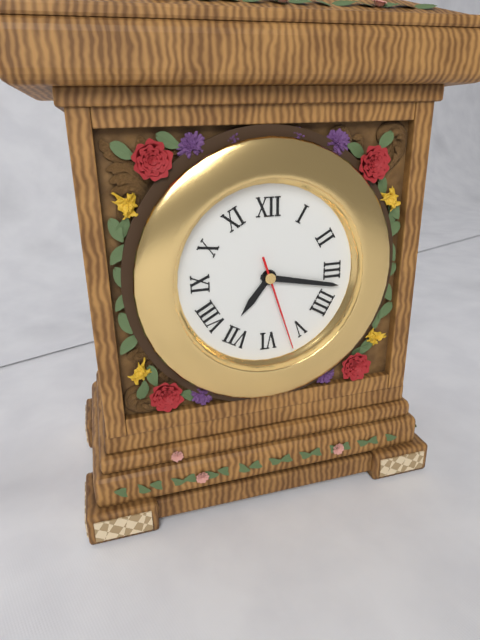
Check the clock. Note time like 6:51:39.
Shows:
7:17:27
